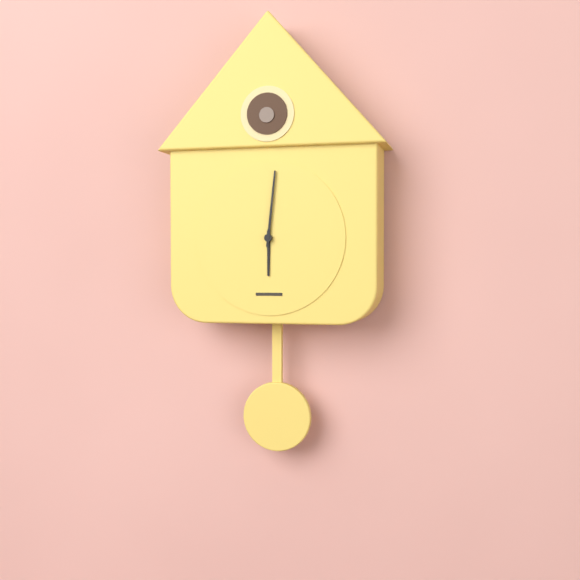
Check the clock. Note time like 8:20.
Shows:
6:01
